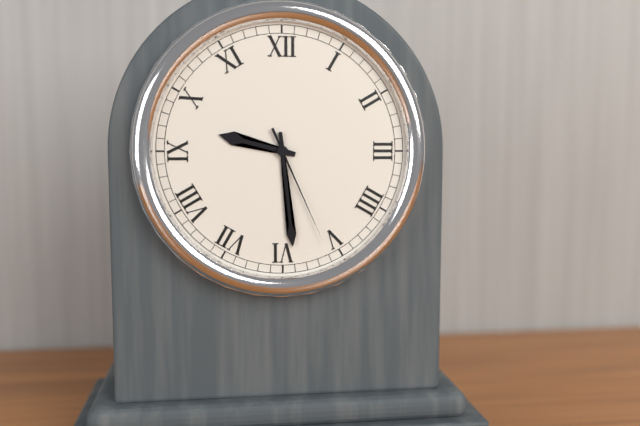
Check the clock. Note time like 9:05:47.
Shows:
9:29:26
